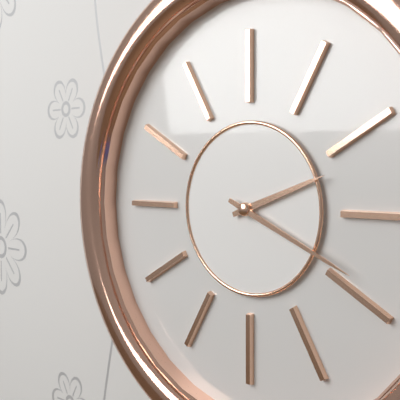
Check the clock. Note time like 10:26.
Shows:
2:19
